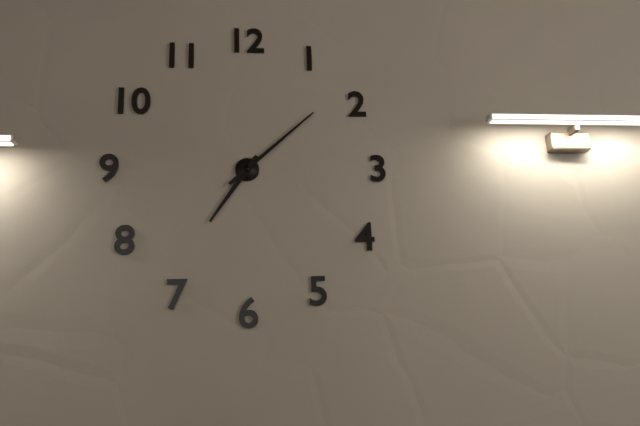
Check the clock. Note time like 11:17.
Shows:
7:08
